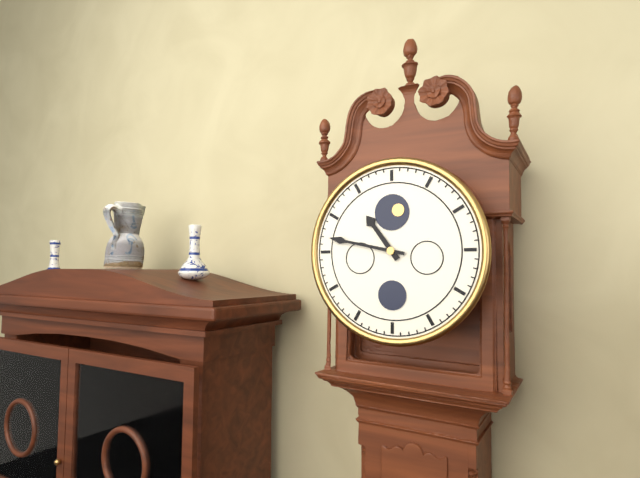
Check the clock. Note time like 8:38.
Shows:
10:47
